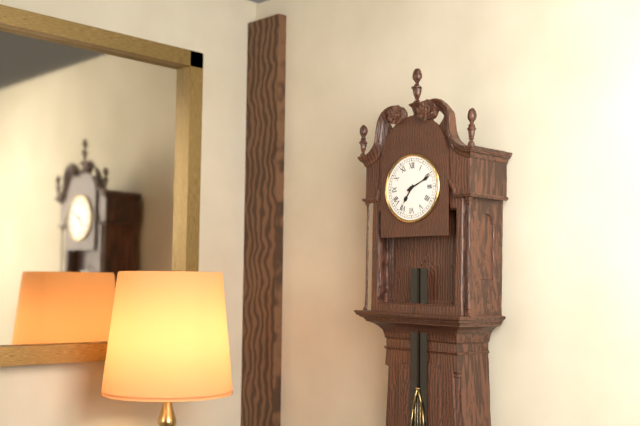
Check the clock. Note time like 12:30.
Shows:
7:11
